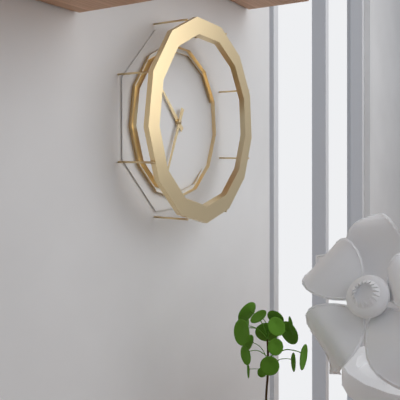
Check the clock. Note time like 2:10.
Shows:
10:34
